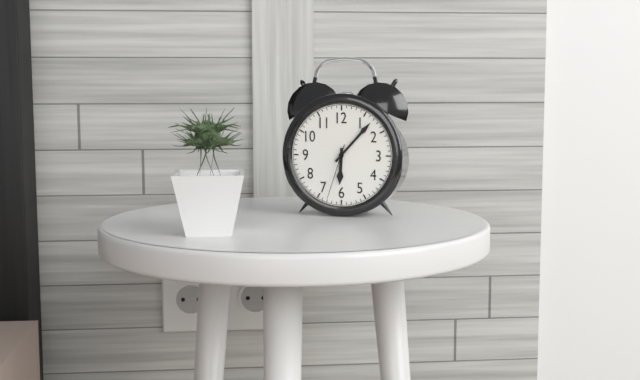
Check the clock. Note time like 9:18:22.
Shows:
6:07:33
